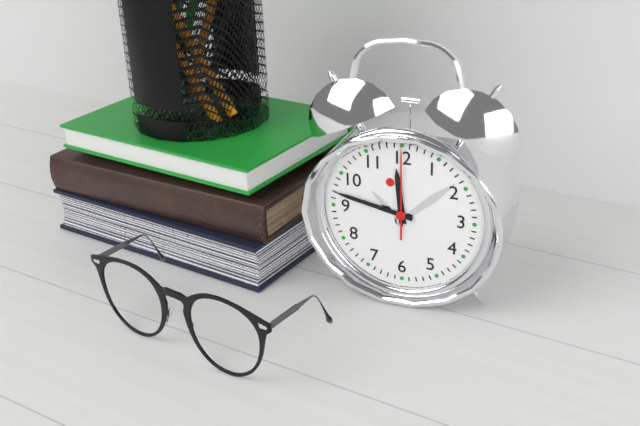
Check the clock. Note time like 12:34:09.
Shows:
11:47:00
